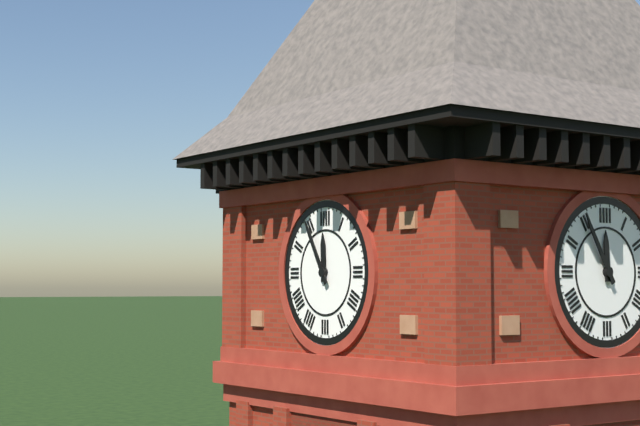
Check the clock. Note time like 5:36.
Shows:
11:55
